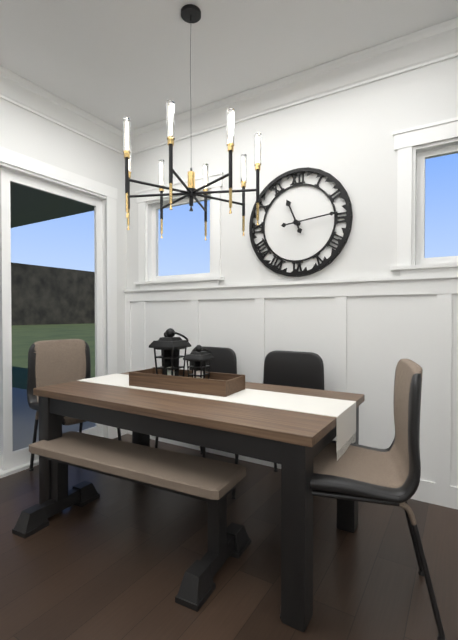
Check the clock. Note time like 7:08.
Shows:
11:14
